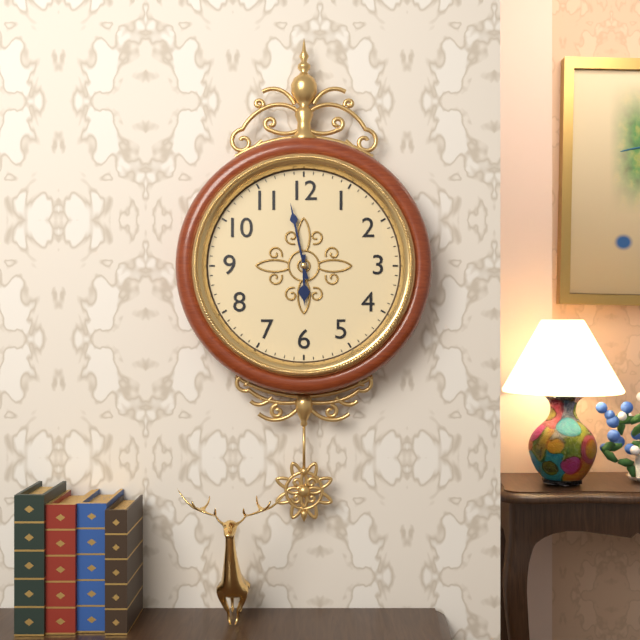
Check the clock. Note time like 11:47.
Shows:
5:58
